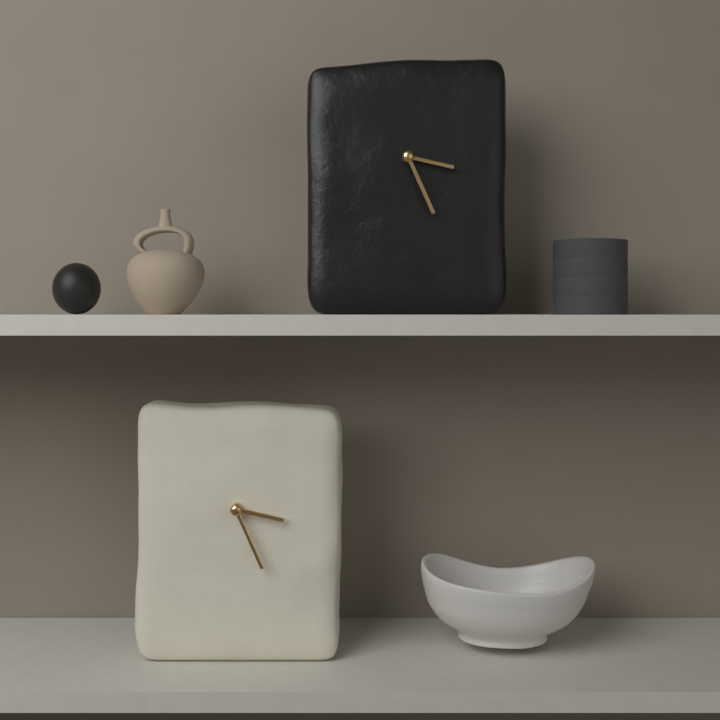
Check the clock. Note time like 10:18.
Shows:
3:26
